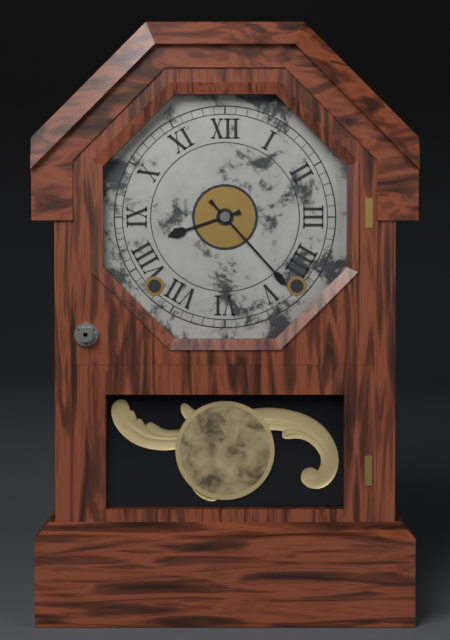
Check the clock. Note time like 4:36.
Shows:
8:23
